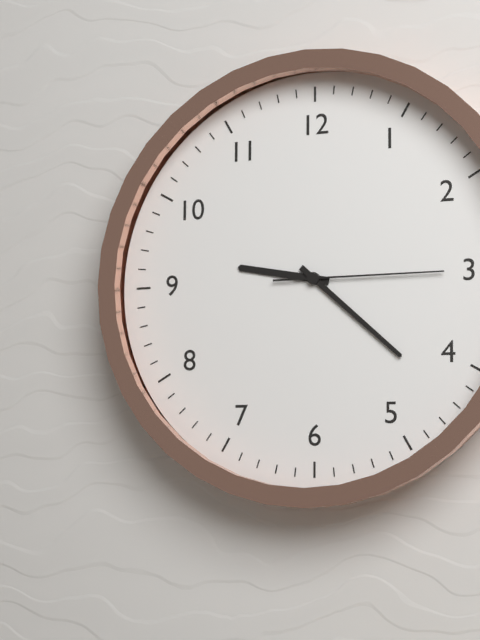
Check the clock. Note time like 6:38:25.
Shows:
9:22:15
